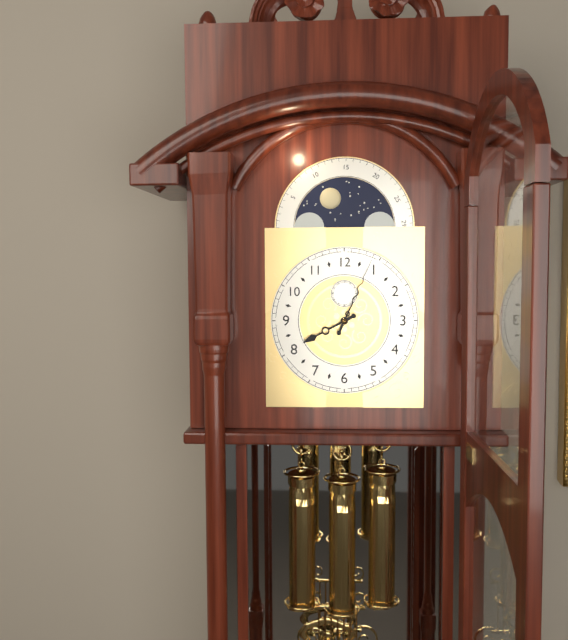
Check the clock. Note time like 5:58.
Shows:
8:04
